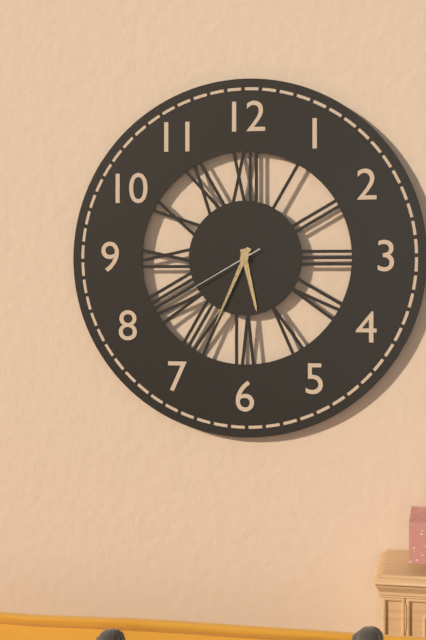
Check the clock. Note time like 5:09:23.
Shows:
5:34:40
